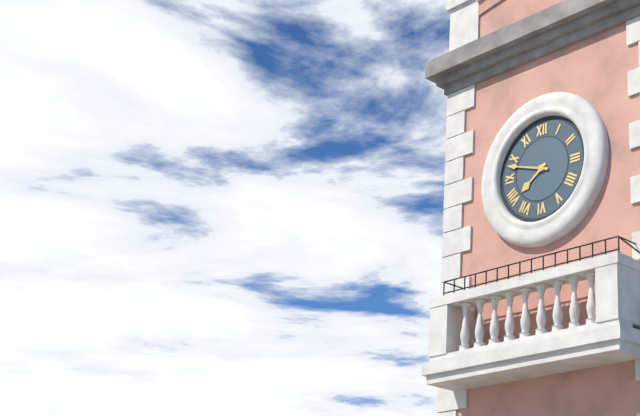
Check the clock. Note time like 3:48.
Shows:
7:48
